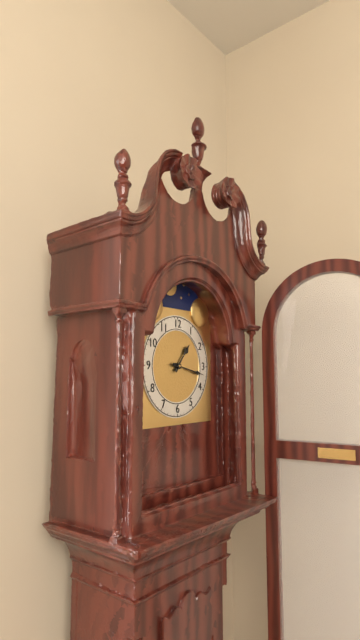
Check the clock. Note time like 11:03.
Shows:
1:17
